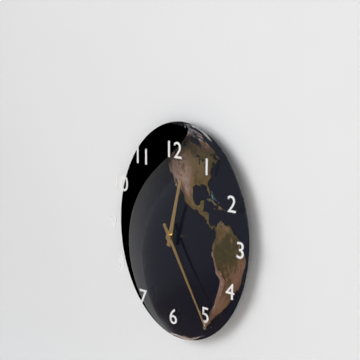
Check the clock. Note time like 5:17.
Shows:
12:25
